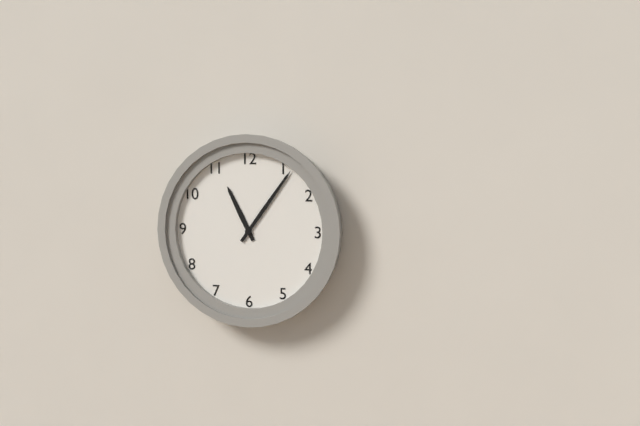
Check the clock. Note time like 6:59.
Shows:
11:06
